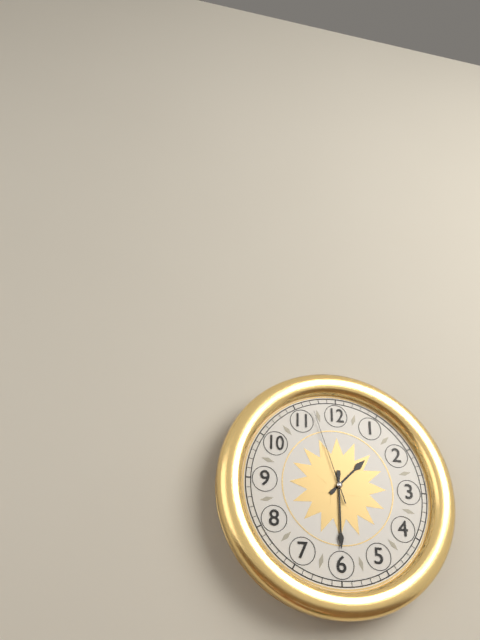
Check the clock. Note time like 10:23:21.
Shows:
1:30:57
